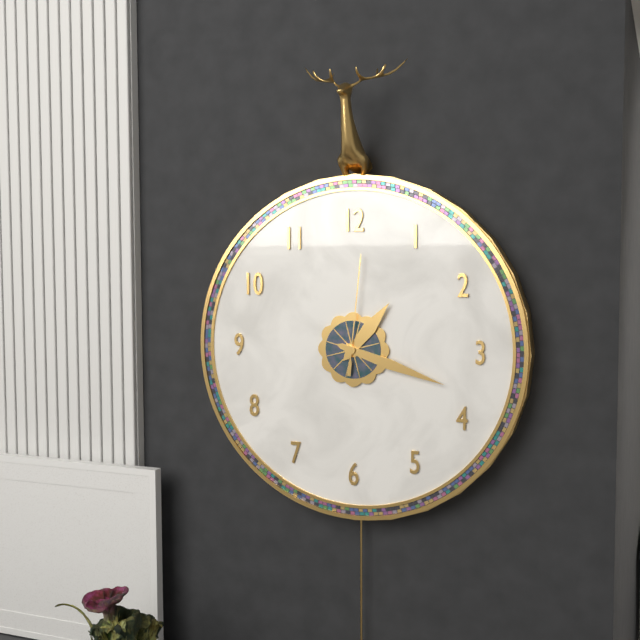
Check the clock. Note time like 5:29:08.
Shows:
1:18:01
